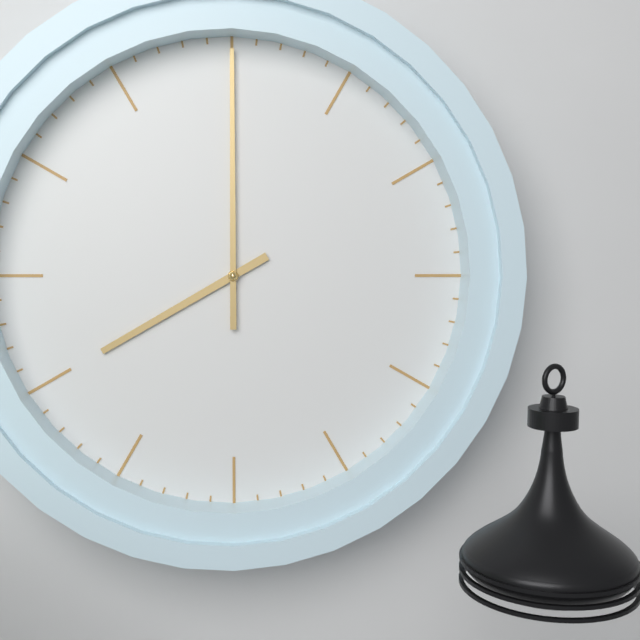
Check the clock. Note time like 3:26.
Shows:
8:00
